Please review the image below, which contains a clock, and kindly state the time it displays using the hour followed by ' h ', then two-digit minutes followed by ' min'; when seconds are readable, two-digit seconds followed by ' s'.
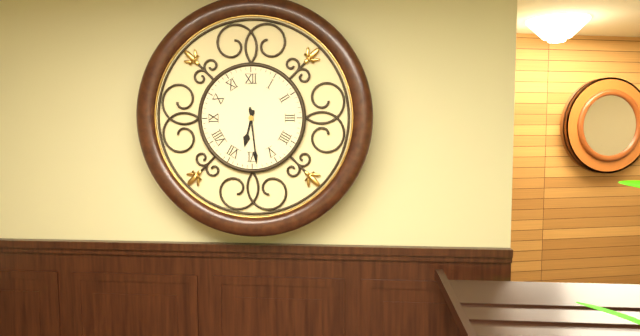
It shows 6 h 29 min
